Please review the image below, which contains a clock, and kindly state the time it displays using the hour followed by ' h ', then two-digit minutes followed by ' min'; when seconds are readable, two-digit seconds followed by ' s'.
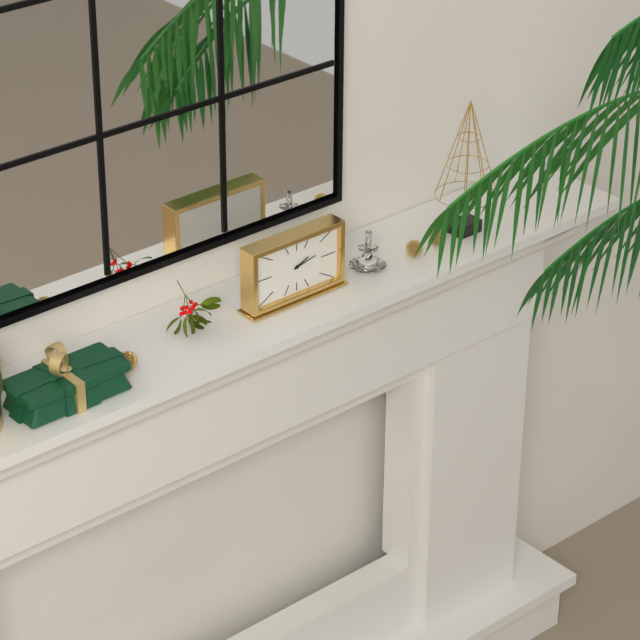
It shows 2 h 13 min
